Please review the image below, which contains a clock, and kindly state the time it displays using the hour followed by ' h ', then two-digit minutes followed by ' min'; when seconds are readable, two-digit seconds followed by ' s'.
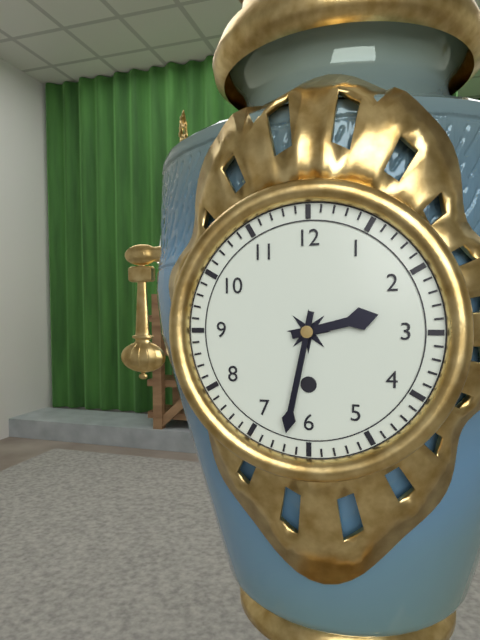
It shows 2 h 32 min
